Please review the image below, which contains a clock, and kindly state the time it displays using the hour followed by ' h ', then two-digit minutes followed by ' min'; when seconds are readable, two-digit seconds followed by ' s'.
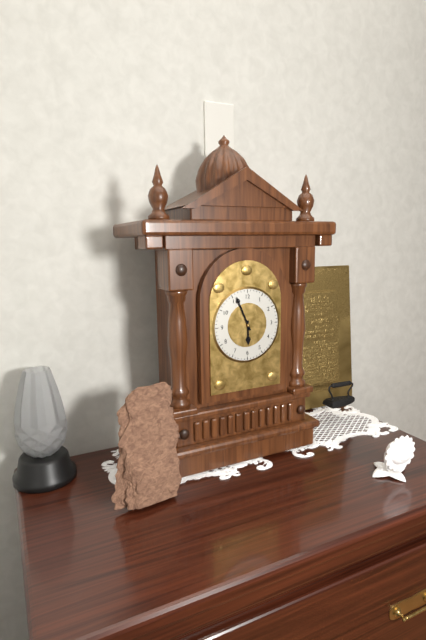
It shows 5 h 56 min
